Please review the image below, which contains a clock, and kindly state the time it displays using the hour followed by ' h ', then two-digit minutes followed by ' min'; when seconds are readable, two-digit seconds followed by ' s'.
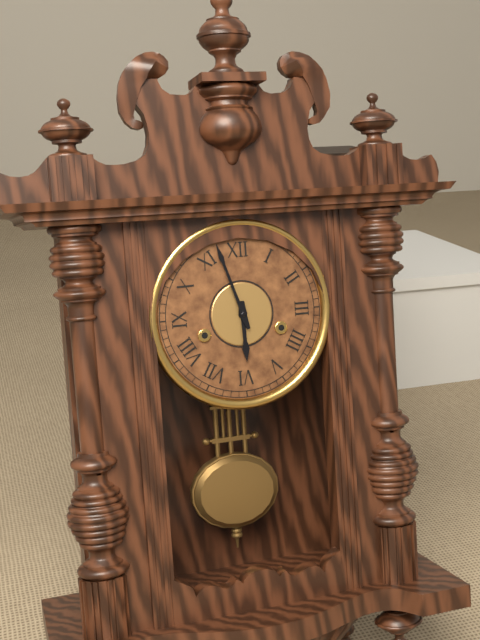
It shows 5 h 57 min
